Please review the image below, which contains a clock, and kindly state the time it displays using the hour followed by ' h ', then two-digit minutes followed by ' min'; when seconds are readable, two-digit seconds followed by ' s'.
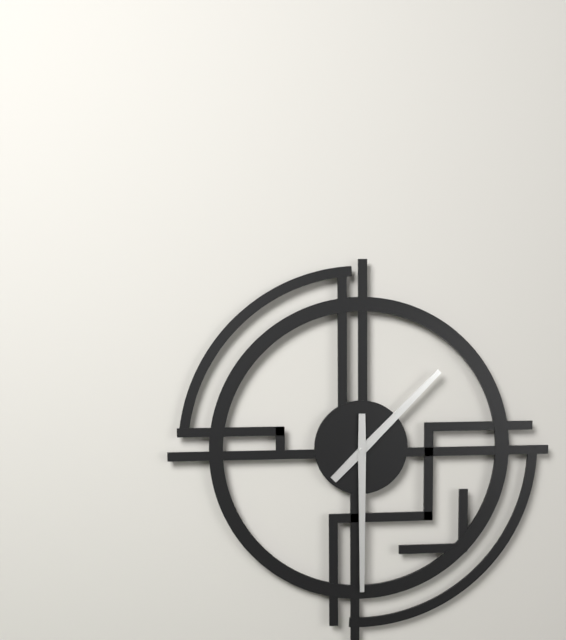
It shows 1 h 30 min
